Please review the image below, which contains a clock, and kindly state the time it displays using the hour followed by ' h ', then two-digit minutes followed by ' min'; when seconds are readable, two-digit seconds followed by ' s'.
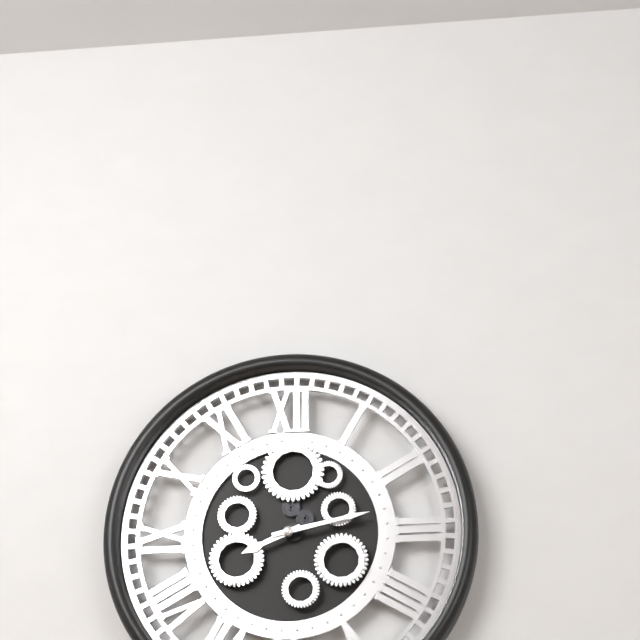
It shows 8 h 13 min
